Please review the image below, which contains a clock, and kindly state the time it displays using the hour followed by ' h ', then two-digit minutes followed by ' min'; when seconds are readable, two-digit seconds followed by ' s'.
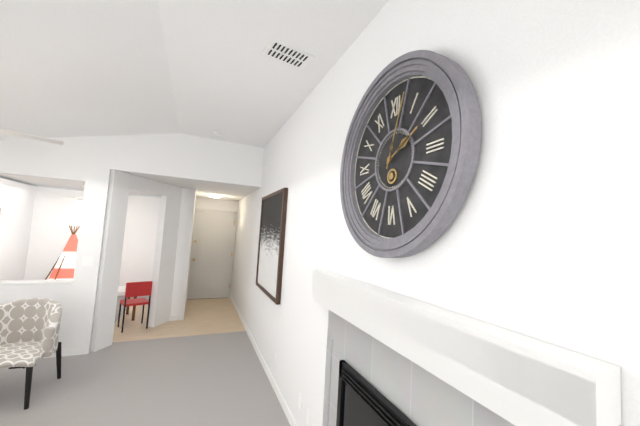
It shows 2 h 03 min
